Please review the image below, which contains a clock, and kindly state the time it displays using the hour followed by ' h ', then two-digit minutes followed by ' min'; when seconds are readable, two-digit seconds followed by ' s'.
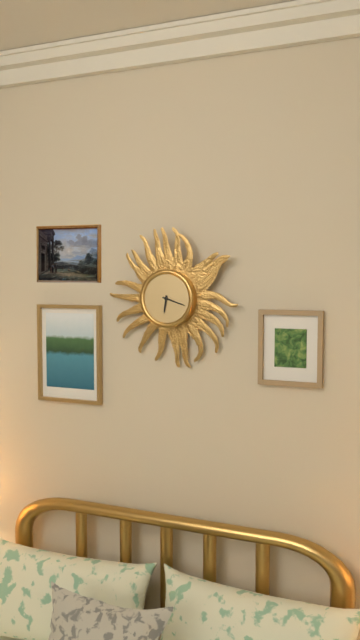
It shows 6 h 18 min
